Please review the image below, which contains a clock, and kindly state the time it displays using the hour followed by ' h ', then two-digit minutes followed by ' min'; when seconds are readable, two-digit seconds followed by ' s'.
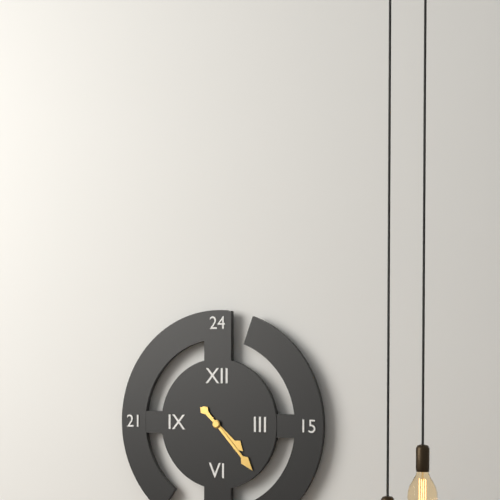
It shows 4 h 23 min
